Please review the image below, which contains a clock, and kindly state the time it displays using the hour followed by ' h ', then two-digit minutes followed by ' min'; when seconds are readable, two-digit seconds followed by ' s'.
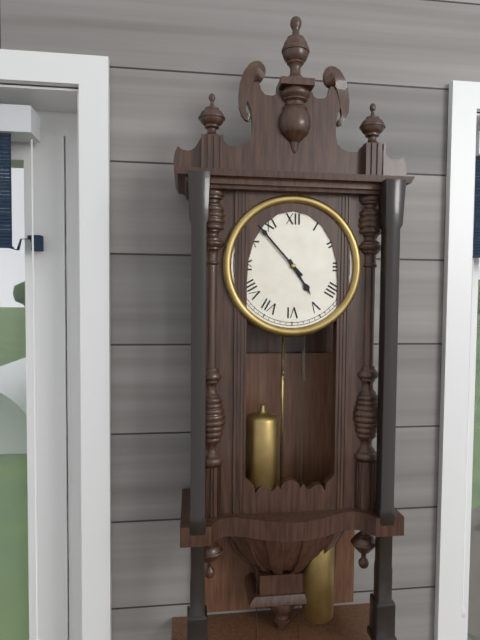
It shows 4 h 53 min
